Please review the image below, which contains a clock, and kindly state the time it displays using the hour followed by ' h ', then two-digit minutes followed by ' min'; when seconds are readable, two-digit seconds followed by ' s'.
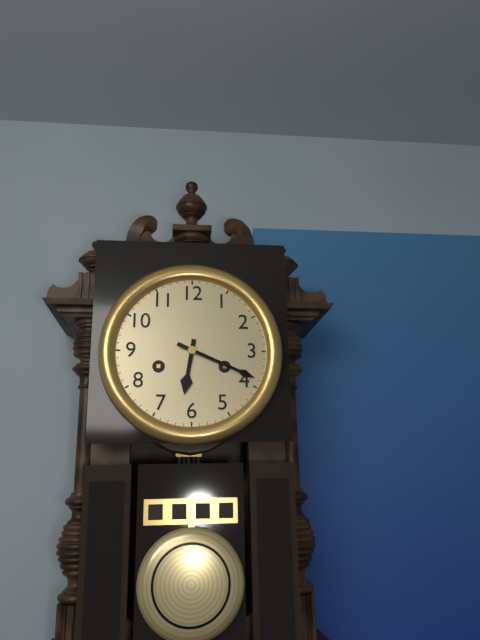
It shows 6 h 19 min
